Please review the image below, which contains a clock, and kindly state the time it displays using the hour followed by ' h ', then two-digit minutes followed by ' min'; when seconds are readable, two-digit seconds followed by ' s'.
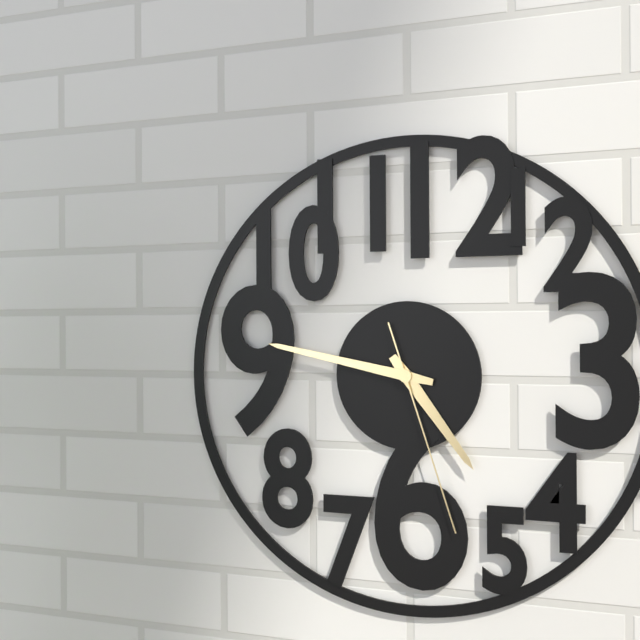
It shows 4 h 47 min 27 s
